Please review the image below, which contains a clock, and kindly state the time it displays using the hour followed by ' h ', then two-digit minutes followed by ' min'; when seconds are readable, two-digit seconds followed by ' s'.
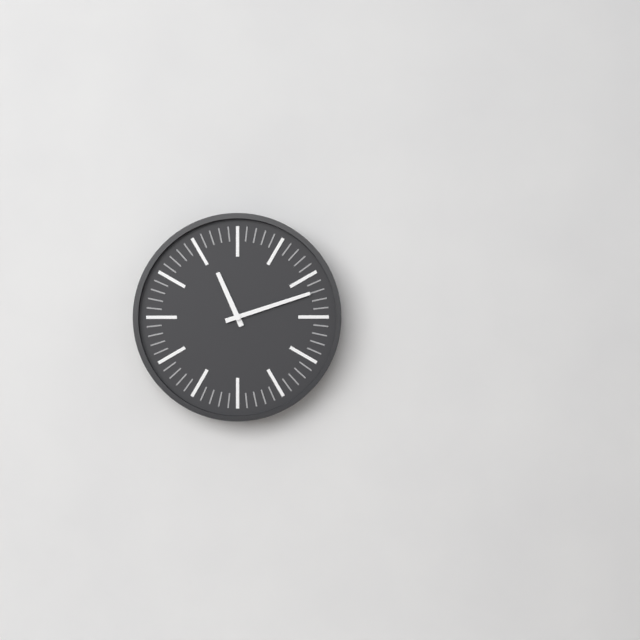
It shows 11 h 12 min
